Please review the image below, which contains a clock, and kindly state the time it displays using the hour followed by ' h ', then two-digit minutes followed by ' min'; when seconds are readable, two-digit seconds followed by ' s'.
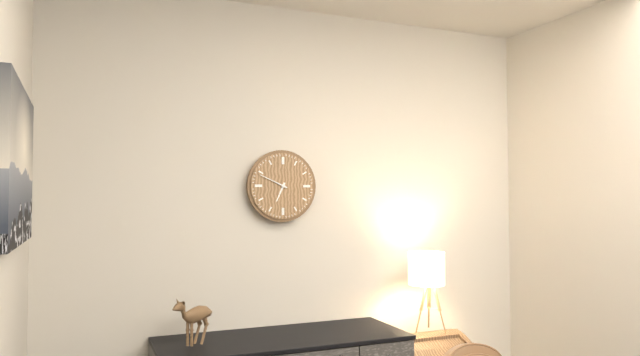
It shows 6 h 49 min
